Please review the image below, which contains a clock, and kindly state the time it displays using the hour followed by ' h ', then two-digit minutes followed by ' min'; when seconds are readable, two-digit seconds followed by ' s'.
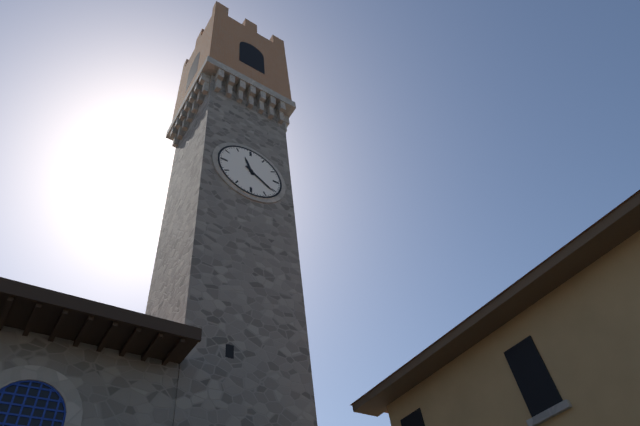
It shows 11 h 21 min
